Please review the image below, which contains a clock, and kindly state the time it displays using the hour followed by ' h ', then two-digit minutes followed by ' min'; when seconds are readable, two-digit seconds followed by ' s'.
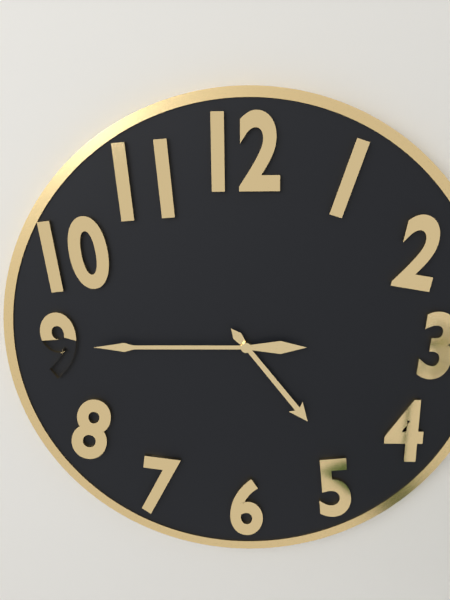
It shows 4 h 45 min
